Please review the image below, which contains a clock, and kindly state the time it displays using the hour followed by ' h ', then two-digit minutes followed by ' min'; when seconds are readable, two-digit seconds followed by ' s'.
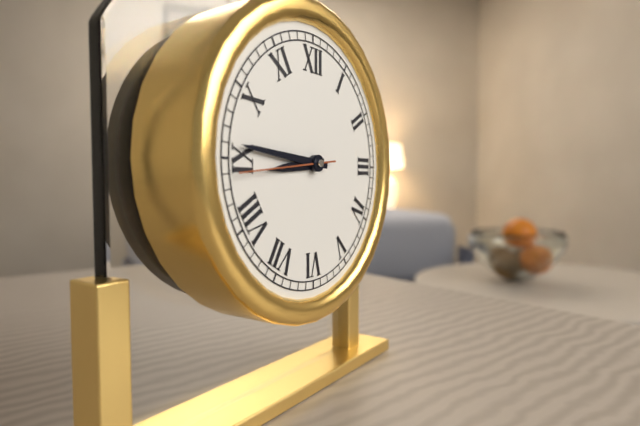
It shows 8 h 46 min 44 s
